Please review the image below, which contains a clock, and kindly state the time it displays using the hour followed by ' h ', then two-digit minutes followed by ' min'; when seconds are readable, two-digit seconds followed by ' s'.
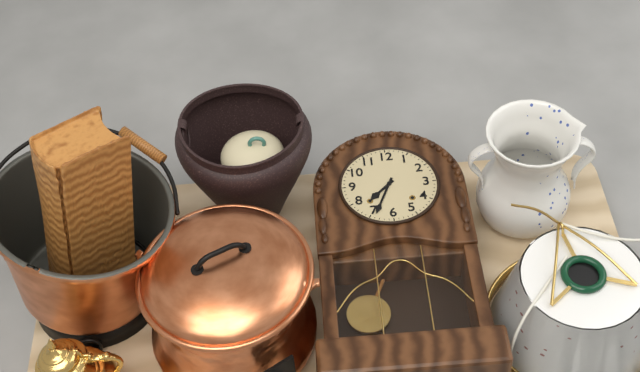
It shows 7 h 34 min
